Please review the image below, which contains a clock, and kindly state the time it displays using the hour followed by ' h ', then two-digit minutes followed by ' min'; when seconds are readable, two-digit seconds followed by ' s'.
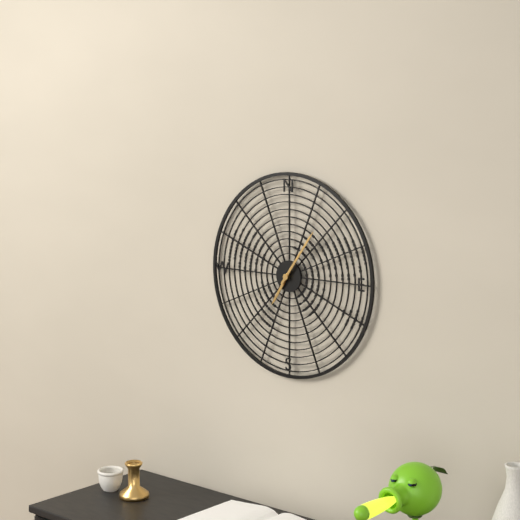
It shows 7 h 06 min
